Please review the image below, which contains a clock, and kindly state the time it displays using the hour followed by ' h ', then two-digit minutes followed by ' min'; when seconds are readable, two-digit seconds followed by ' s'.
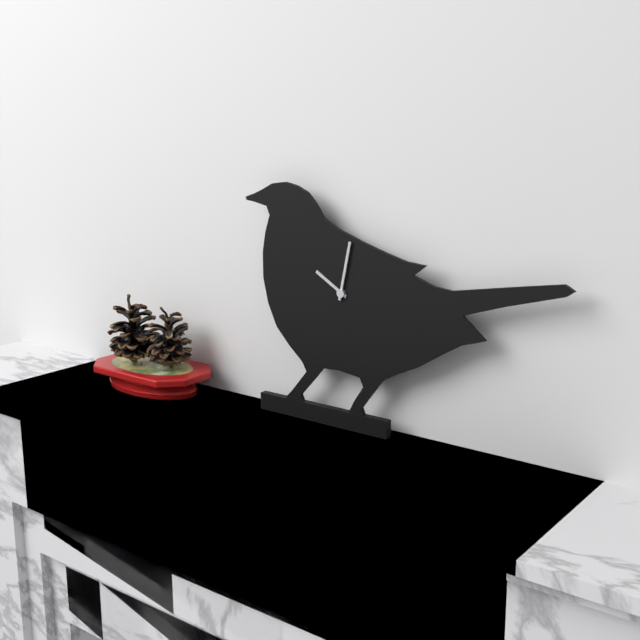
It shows 10 h 02 min
